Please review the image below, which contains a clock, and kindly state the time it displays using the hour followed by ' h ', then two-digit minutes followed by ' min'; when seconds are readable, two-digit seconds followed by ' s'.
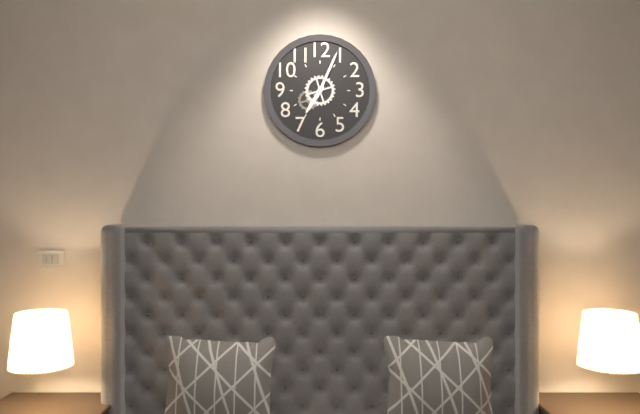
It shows 7 h 04 min
